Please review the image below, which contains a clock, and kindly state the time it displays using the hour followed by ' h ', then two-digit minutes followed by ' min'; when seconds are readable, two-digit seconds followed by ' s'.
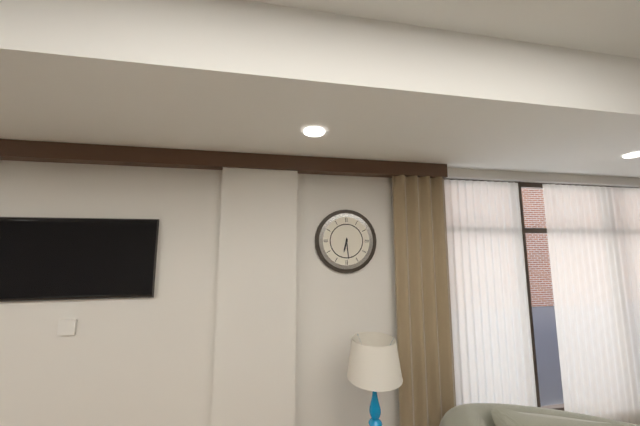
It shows 6 h 29 min
